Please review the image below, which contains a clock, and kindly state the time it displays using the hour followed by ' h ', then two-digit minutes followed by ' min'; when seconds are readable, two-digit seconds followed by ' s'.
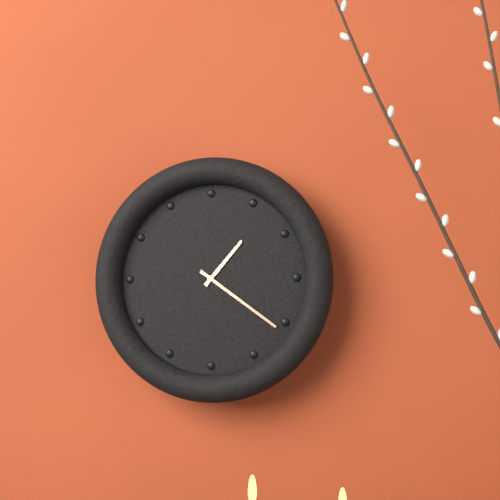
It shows 1 h 21 min
